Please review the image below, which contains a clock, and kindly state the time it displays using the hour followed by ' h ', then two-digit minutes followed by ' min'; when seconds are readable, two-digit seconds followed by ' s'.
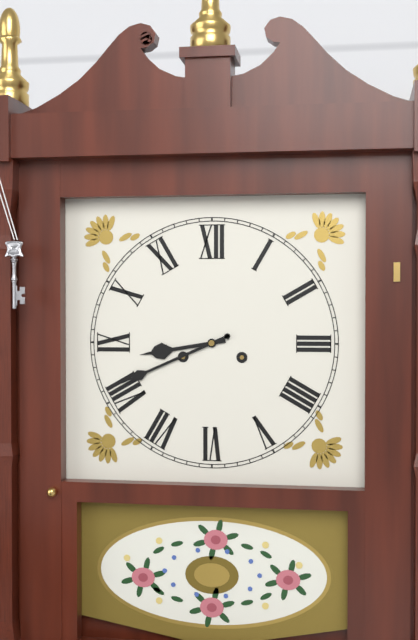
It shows 8 h 41 min
